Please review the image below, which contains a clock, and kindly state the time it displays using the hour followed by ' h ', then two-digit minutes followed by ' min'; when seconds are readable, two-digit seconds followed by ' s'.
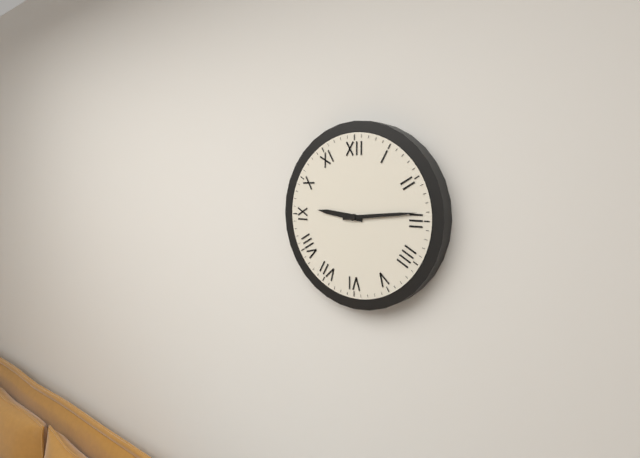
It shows 9 h 14 min
